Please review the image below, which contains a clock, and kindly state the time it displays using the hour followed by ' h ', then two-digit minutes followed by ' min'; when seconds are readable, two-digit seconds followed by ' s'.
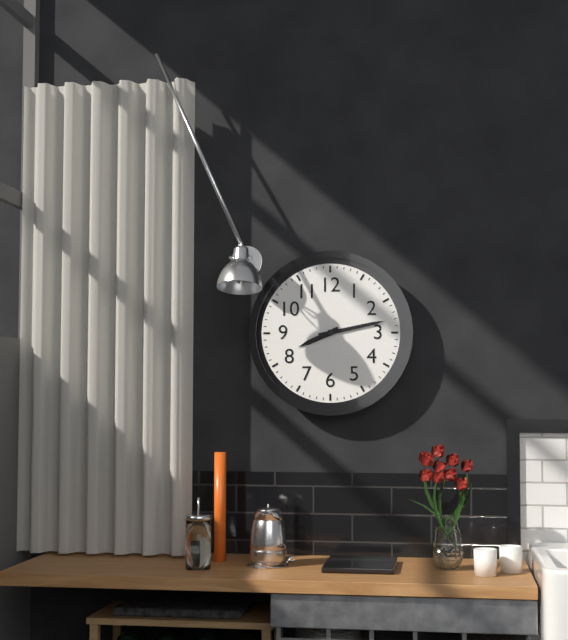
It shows 8 h 13 min
